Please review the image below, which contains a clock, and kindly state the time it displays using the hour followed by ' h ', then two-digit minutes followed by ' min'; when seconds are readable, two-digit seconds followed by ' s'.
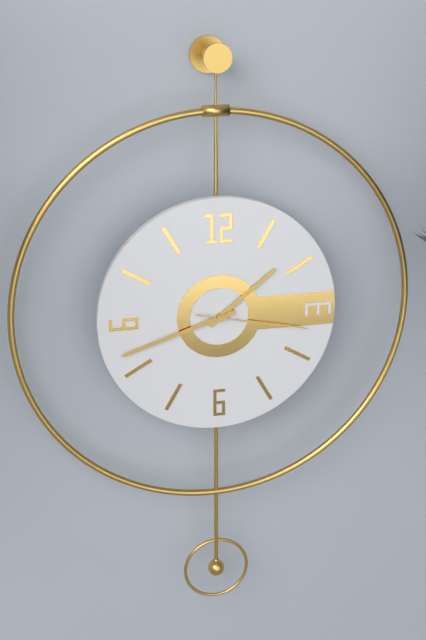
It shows 1 h 42 min 17 s
